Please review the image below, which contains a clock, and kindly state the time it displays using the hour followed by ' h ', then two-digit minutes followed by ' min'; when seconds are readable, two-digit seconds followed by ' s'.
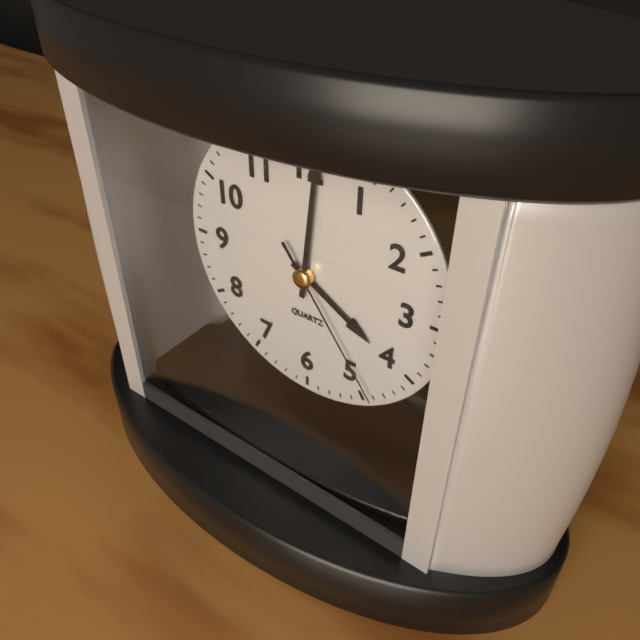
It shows 4 h 01 min 24 s
